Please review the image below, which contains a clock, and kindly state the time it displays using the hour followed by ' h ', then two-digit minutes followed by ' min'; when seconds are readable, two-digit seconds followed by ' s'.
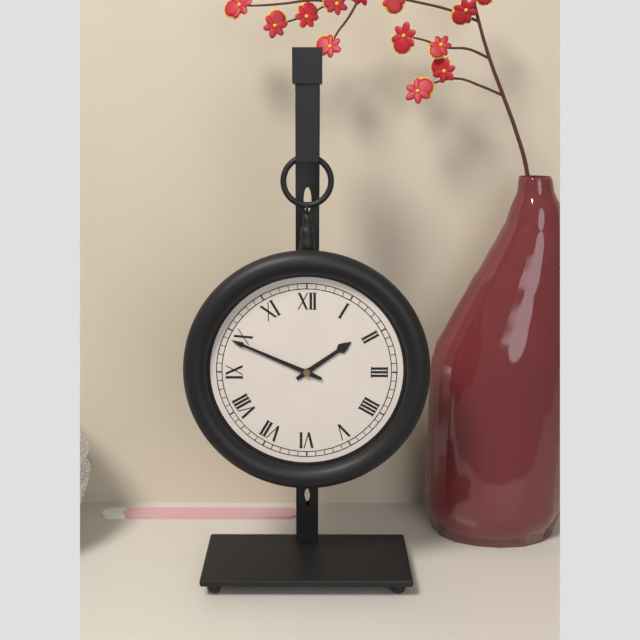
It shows 1 h 49 min
